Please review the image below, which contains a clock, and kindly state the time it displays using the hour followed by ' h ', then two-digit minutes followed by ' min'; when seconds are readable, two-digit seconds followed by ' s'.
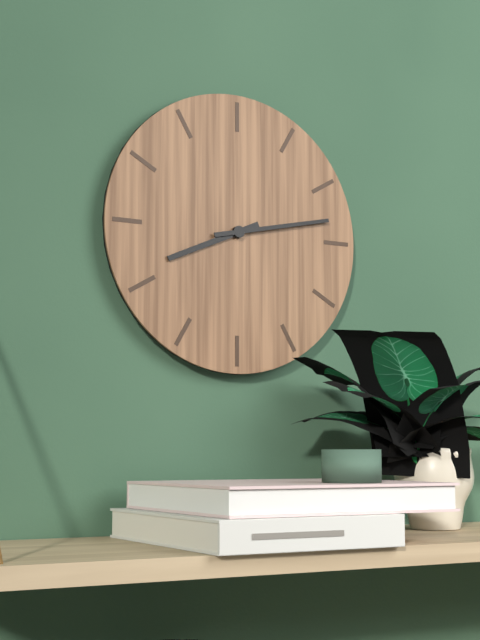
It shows 8 h 13 min
